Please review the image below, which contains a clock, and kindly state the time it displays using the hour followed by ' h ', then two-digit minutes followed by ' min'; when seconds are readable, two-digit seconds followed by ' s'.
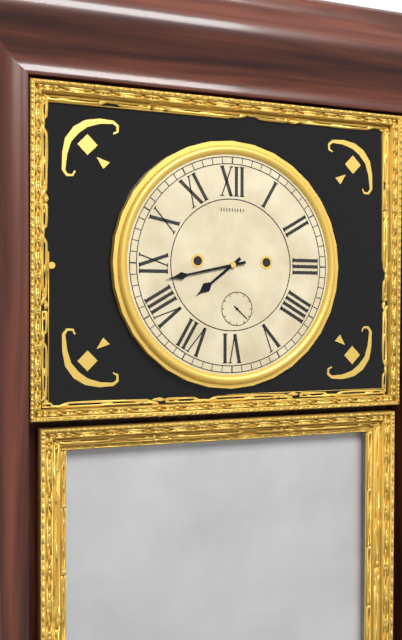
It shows 7 h 43 min
